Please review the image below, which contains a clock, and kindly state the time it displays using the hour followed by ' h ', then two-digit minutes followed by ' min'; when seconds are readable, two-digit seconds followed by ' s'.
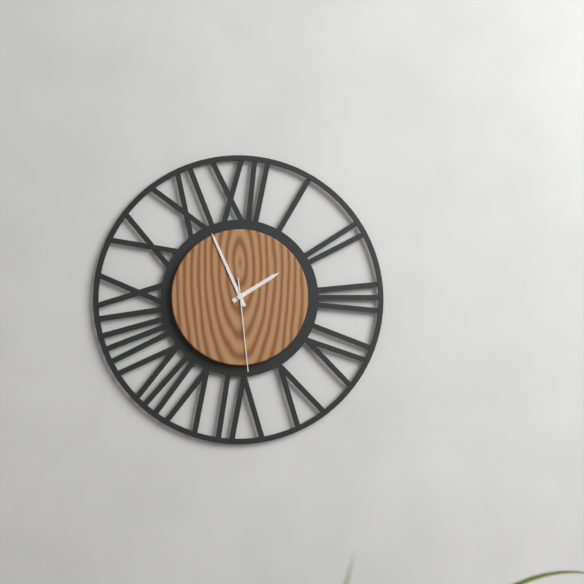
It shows 1 h 56 min 29 s
